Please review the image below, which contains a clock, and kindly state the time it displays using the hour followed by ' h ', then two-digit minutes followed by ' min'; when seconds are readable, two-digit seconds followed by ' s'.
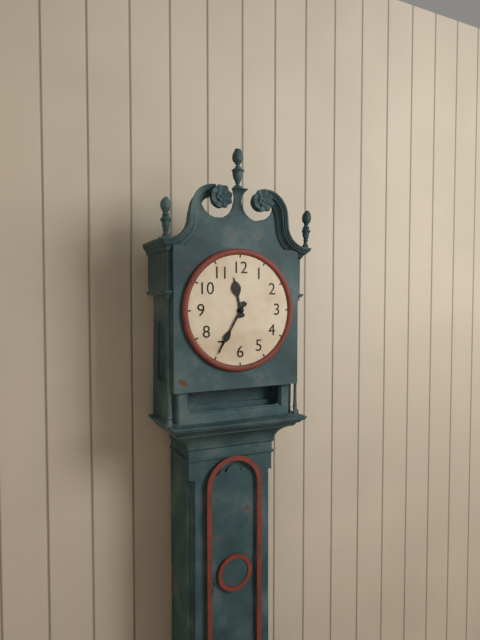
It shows 11 h 35 min
